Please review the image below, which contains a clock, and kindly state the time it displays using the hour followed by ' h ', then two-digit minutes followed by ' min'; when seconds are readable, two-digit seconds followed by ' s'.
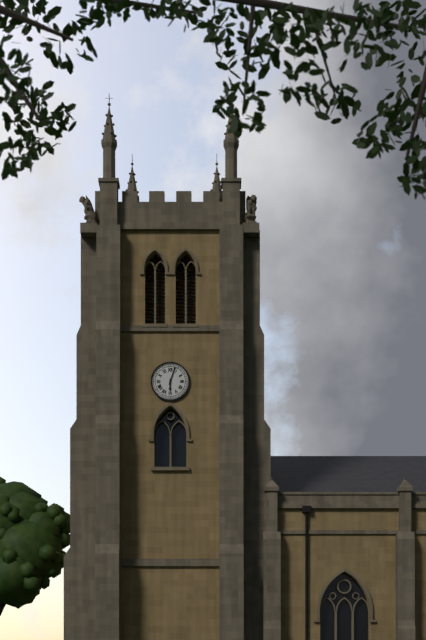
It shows 6 h 03 min
